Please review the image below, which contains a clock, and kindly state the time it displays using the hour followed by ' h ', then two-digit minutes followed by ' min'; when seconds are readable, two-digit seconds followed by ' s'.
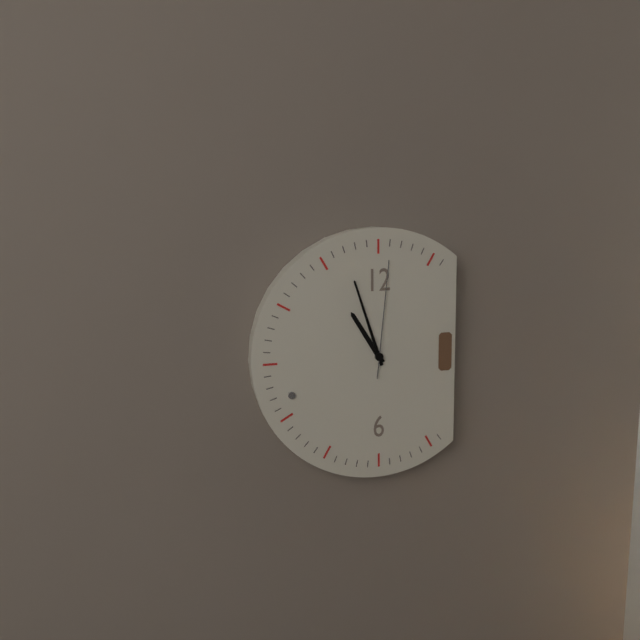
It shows 10 h 57 min 01 s
